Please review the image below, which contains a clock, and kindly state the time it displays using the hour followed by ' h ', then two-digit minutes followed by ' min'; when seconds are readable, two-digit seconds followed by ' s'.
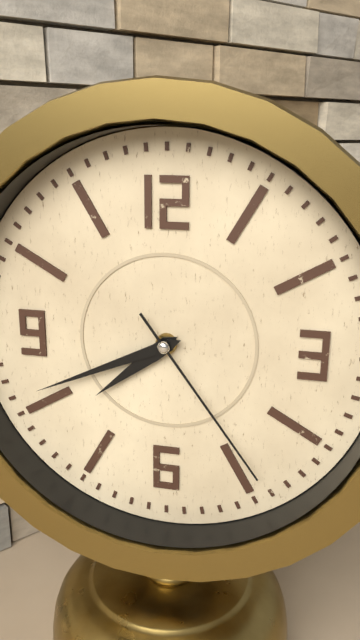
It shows 7 h 41 min 24 s
